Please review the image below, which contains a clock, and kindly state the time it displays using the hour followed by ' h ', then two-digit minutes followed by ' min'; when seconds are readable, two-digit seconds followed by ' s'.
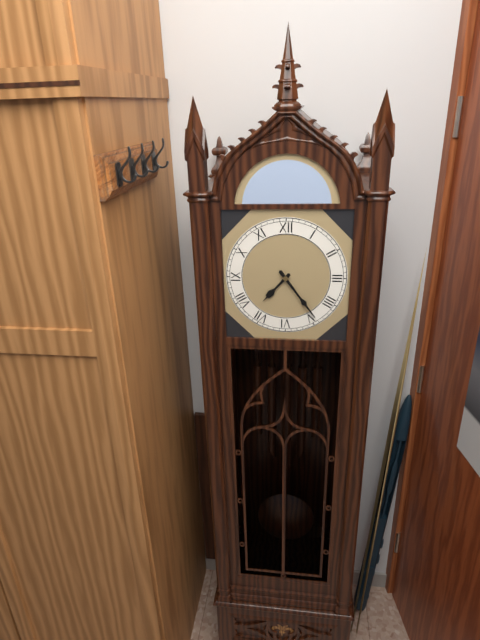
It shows 7 h 24 min
